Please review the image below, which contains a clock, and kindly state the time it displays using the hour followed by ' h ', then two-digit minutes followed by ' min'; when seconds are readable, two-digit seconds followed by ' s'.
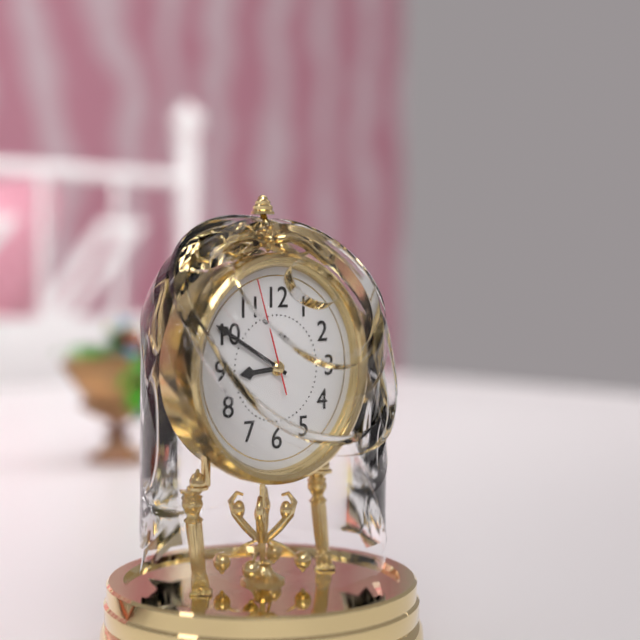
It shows 8 h 50 min 57 s
